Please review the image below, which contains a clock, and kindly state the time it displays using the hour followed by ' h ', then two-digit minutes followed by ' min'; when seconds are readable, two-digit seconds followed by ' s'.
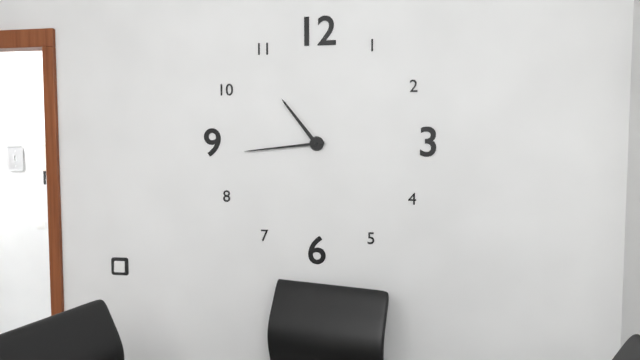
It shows 10 h 44 min
